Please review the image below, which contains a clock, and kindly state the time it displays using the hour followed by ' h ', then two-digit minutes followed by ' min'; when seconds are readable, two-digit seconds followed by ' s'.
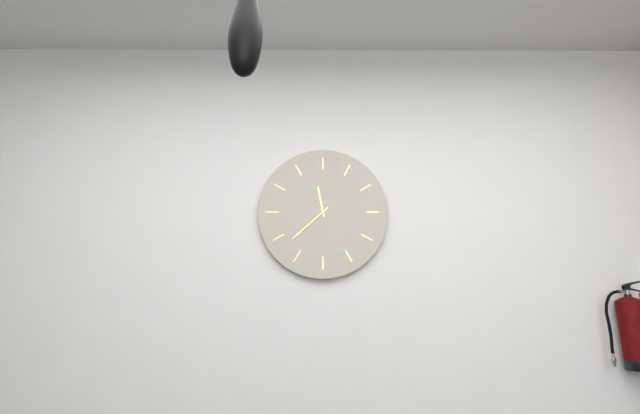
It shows 11 h 38 min
